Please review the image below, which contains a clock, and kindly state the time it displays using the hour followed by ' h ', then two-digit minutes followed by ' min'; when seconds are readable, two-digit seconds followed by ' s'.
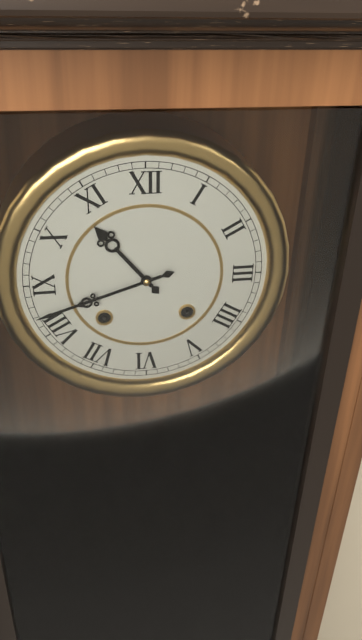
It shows 10 h 42 min
